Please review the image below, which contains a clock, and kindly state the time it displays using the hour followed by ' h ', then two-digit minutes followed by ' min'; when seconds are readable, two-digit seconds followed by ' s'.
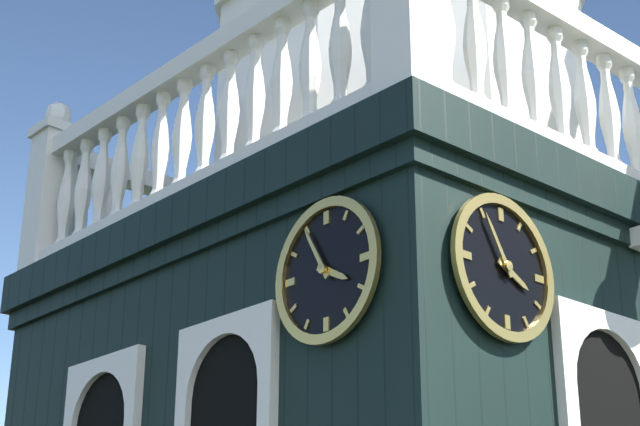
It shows 3 h 55 min
